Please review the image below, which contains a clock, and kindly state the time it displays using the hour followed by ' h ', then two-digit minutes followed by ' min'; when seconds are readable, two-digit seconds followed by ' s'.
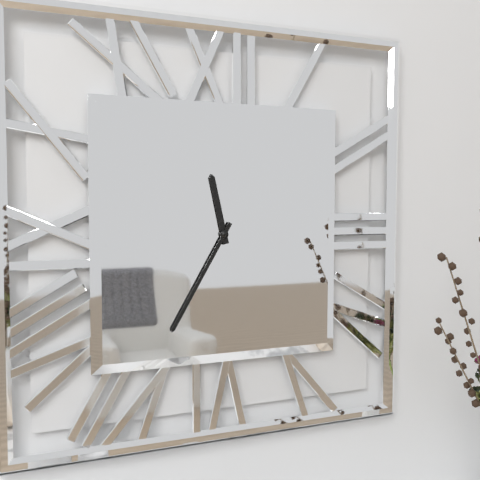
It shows 11 h 35 min
